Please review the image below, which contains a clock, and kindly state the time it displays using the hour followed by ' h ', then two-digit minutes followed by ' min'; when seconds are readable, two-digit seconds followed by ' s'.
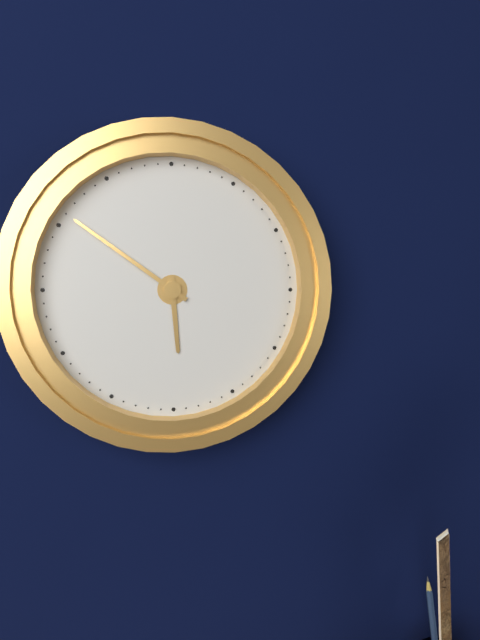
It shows 5 h 51 min
